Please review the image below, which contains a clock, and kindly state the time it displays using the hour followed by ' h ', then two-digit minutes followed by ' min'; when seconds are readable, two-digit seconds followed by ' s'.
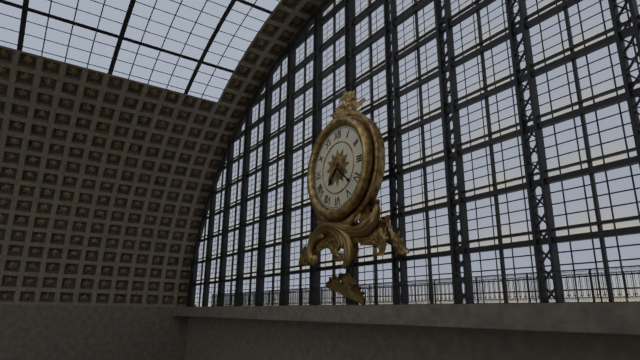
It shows 7 h 22 min
